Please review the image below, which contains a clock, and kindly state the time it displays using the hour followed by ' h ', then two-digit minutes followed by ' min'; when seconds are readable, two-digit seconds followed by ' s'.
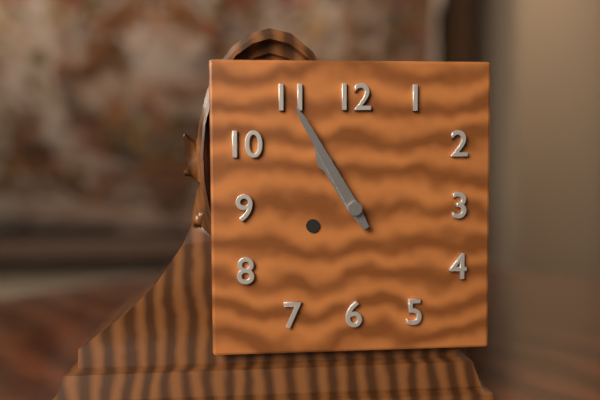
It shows 10 h 55 min
